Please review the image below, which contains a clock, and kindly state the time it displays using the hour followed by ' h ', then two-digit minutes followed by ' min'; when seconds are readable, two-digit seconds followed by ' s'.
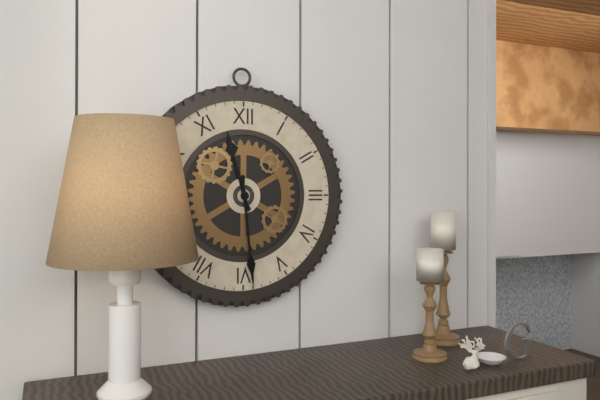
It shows 11 h 29 min
